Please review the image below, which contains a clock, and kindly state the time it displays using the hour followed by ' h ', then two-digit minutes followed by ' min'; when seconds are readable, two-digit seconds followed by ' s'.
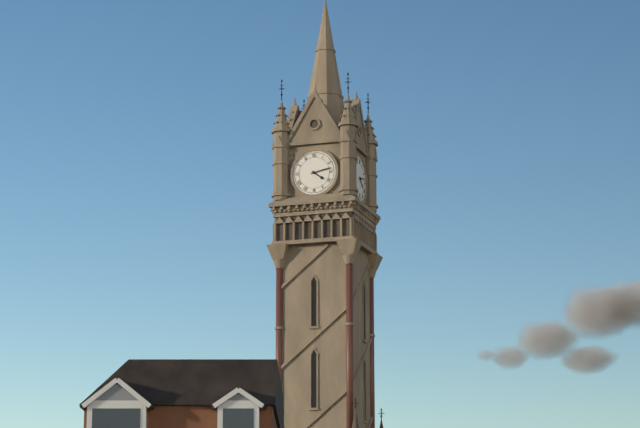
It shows 4 h 13 min
